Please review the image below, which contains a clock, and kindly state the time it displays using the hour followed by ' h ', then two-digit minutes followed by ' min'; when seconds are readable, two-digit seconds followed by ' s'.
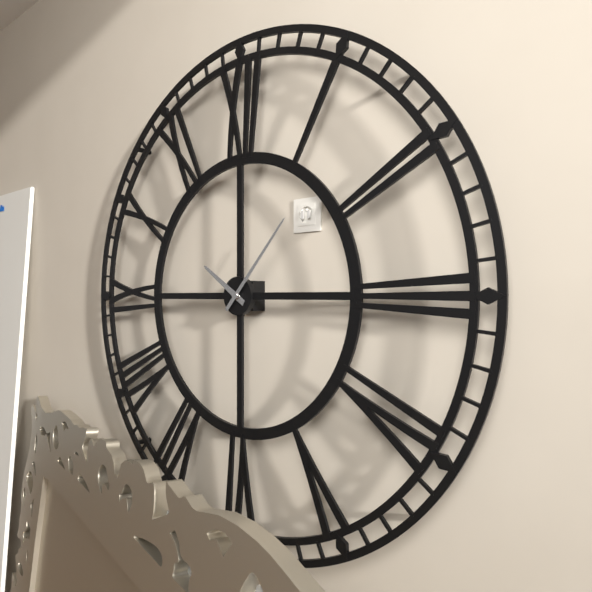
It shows 10 h 07 min
